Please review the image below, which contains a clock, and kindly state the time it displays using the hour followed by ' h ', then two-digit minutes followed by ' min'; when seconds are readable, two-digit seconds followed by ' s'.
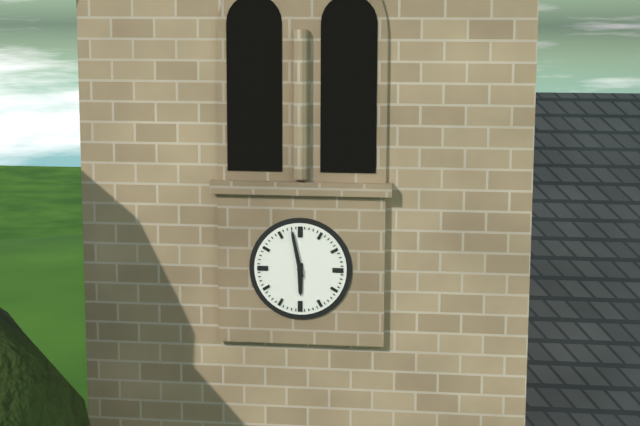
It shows 5 h 58 min
